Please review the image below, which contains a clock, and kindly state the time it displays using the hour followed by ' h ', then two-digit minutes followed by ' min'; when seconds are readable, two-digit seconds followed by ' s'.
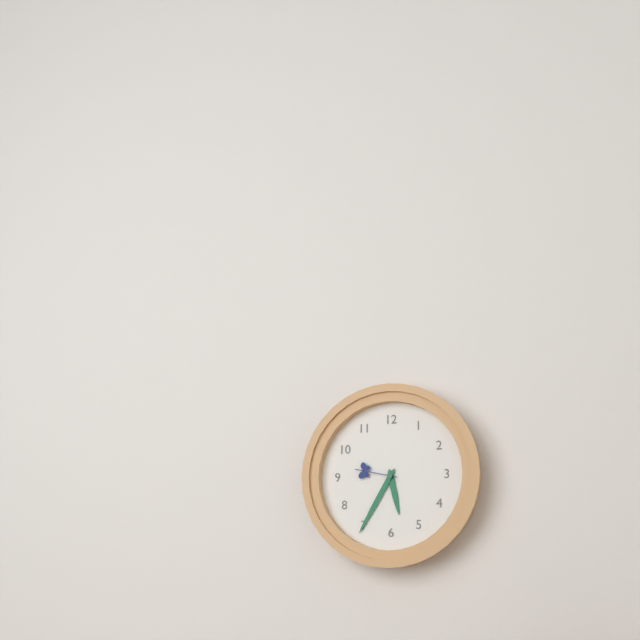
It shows 5 h 35 min
